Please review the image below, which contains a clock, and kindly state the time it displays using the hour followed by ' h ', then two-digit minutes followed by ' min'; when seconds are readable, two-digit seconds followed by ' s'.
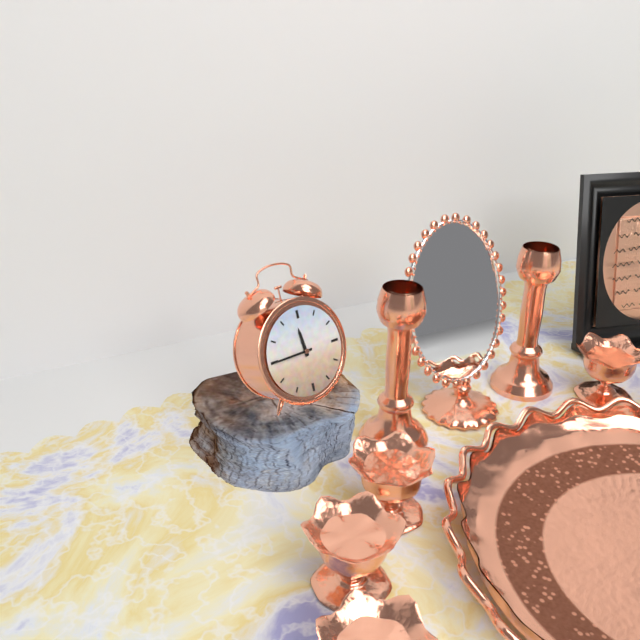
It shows 11 h 45 min
